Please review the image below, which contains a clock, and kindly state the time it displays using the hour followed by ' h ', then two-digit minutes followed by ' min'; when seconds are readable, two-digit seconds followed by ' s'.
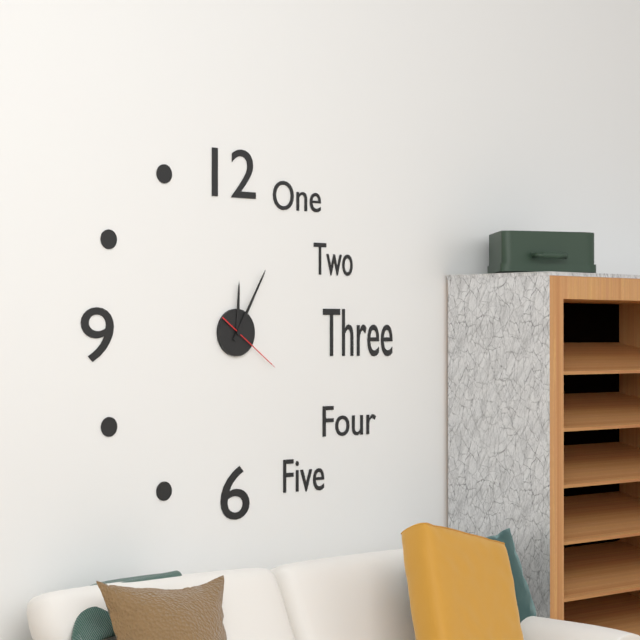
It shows 12 h 05 min 21 s
